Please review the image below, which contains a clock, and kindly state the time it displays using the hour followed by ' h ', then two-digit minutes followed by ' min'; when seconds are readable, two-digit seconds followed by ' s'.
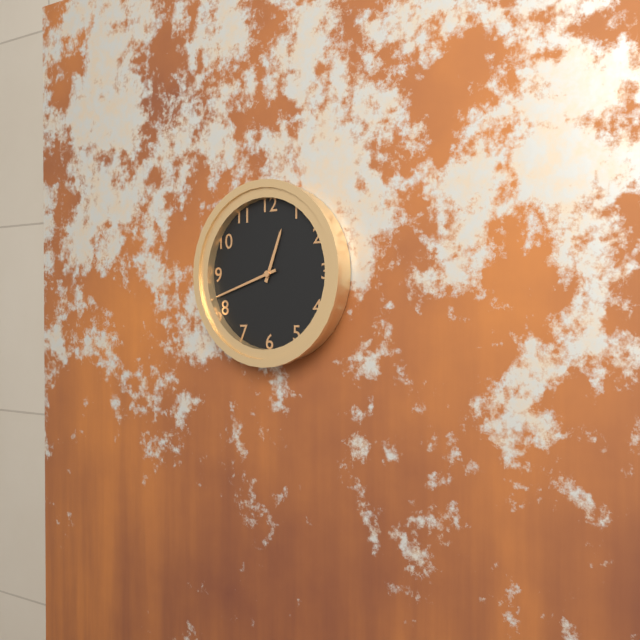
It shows 12 h 42 min
